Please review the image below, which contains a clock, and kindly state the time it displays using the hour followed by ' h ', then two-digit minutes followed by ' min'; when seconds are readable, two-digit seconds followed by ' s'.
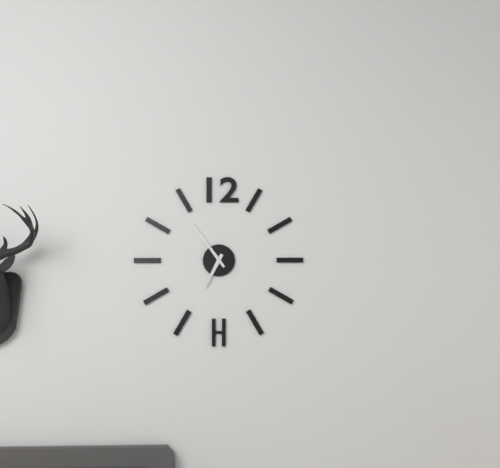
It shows 6 h 54 min
